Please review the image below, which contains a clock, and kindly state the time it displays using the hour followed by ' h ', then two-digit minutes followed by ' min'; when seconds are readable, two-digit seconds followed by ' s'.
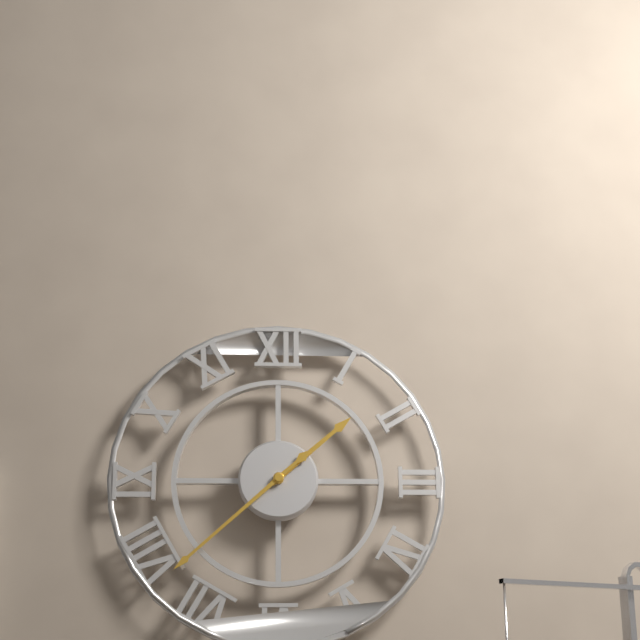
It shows 1 h 38 min
